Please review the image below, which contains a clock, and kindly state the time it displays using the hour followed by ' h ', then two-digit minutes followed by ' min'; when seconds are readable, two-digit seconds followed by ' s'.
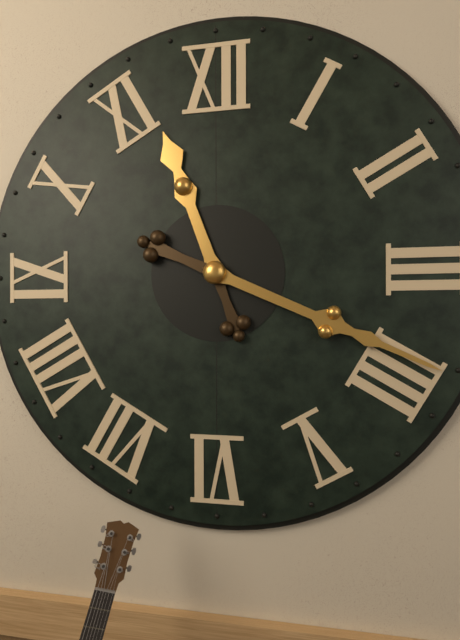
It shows 11 h 19 min
